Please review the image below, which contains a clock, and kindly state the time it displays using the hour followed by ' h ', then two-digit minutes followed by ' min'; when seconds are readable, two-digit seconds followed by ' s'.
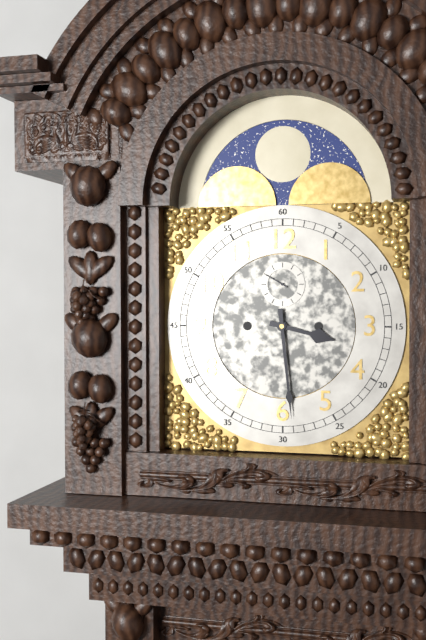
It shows 3 h 29 min
